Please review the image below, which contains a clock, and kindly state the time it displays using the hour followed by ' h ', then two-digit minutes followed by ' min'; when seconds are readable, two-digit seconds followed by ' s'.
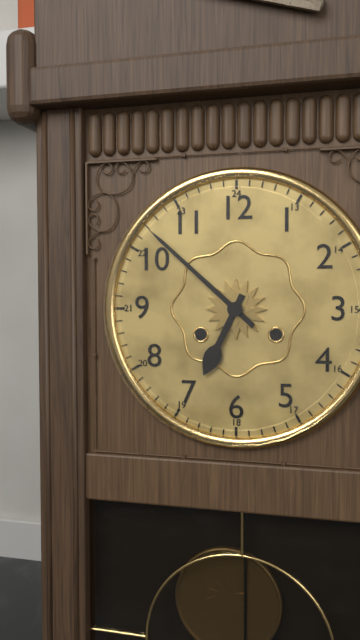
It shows 6 h 52 min
